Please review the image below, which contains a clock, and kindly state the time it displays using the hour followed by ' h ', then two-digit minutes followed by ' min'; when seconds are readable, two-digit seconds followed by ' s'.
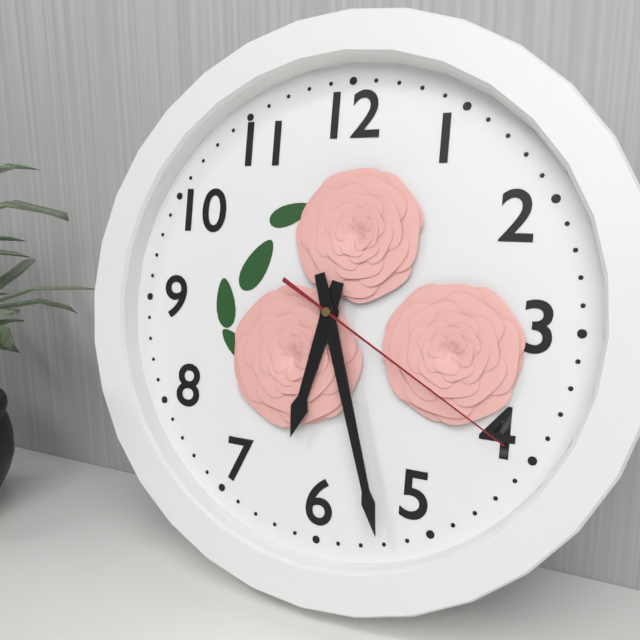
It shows 6 h 27 min 20 s
